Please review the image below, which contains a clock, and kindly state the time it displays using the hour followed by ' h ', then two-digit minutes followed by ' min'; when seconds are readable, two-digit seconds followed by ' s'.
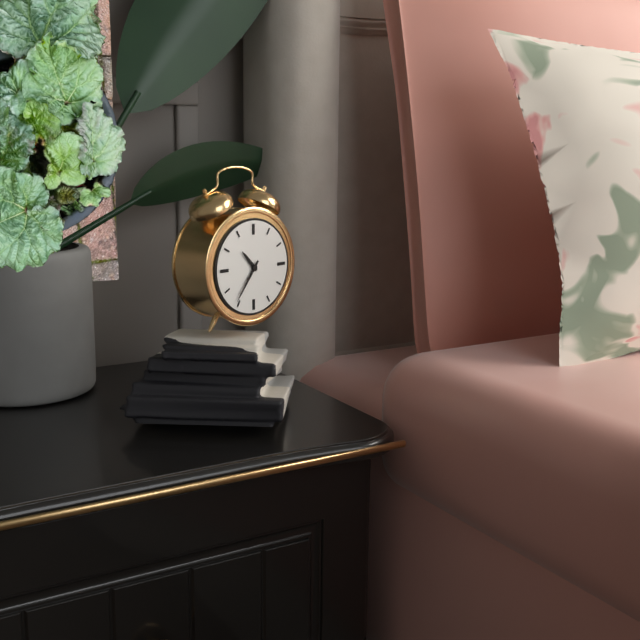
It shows 10 h 36 min
